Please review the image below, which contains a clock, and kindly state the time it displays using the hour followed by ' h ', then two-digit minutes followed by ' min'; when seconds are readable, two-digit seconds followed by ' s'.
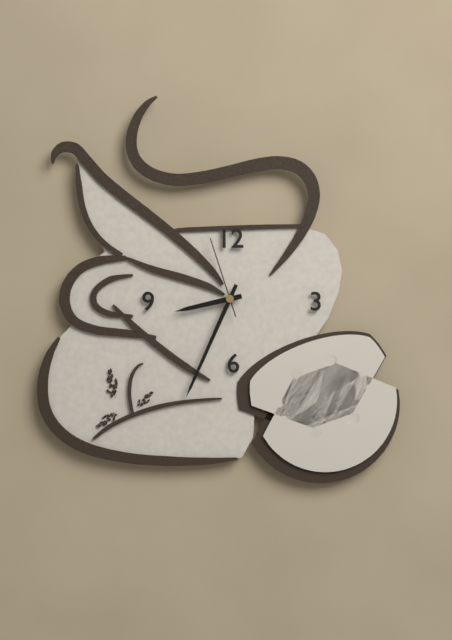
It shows 8 h 34 min 57 s
